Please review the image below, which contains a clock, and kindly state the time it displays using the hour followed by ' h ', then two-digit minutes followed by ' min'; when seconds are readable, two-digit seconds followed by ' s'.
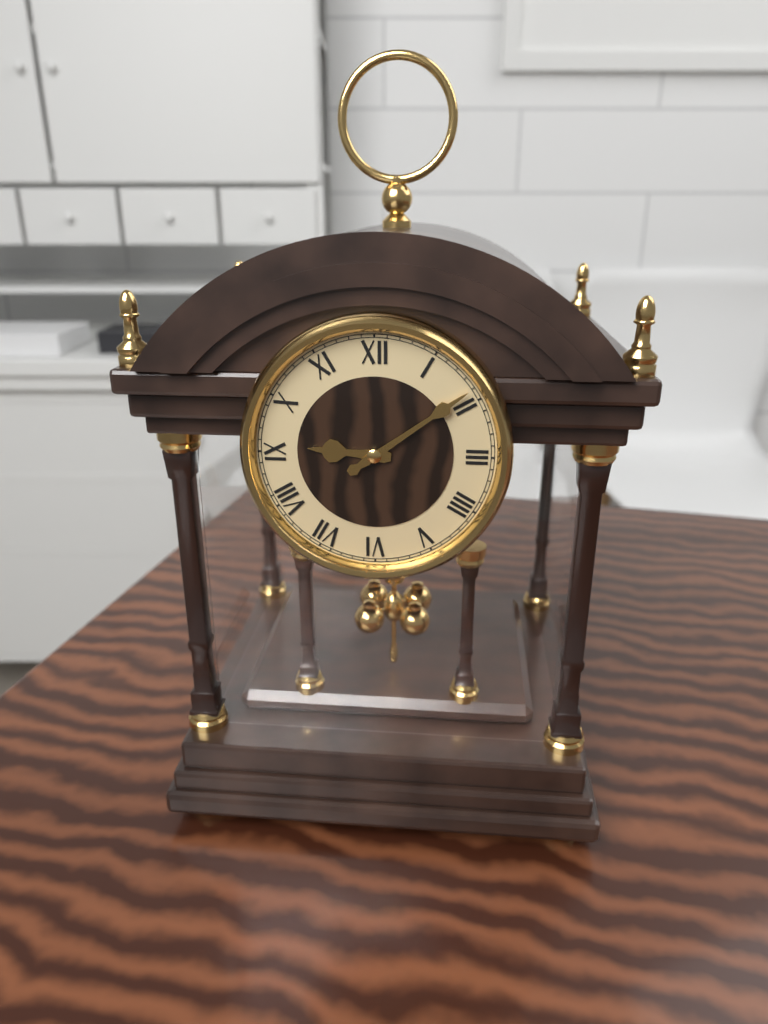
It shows 9 h 09 min
